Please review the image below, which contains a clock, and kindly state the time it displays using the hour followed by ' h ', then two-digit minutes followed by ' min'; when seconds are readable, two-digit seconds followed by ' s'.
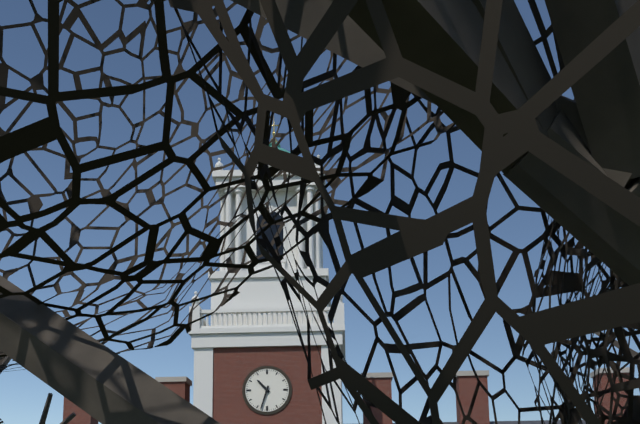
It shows 10 h 33 min
